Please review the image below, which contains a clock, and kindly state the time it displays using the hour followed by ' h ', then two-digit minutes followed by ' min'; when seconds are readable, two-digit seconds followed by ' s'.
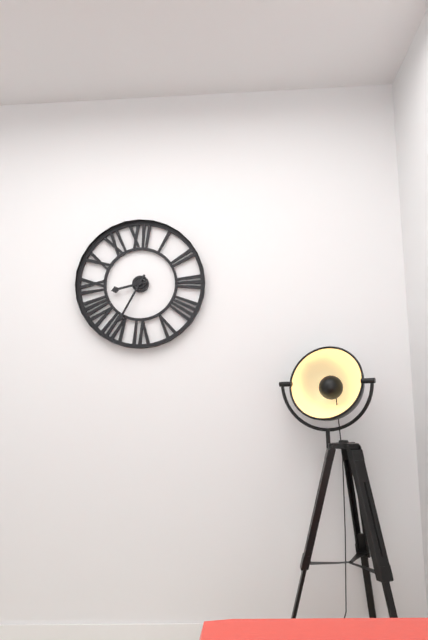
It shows 8 h 35 min
